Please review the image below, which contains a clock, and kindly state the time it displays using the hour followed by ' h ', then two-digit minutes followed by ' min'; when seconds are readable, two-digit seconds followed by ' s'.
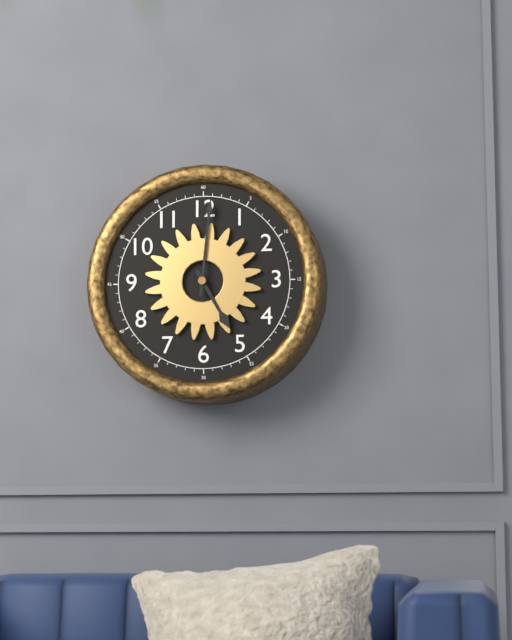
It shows 5 h 01 min
